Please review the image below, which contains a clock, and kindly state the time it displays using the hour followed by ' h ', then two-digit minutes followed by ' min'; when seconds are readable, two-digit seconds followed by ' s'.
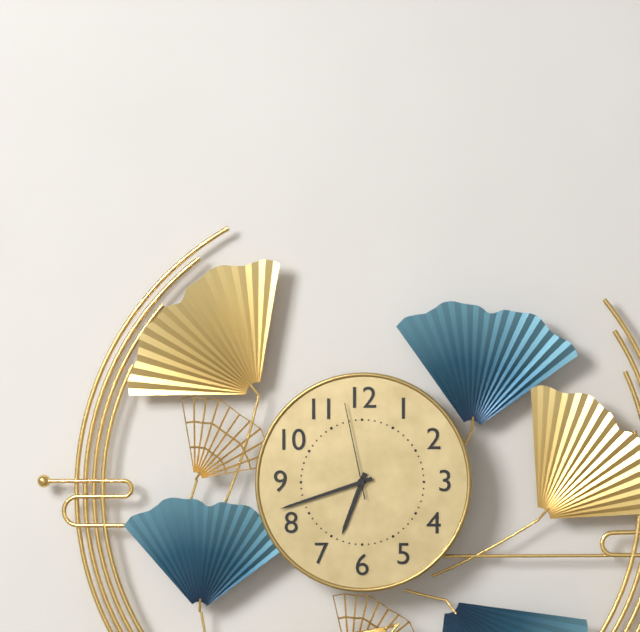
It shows 6 h 42 min 58 s
